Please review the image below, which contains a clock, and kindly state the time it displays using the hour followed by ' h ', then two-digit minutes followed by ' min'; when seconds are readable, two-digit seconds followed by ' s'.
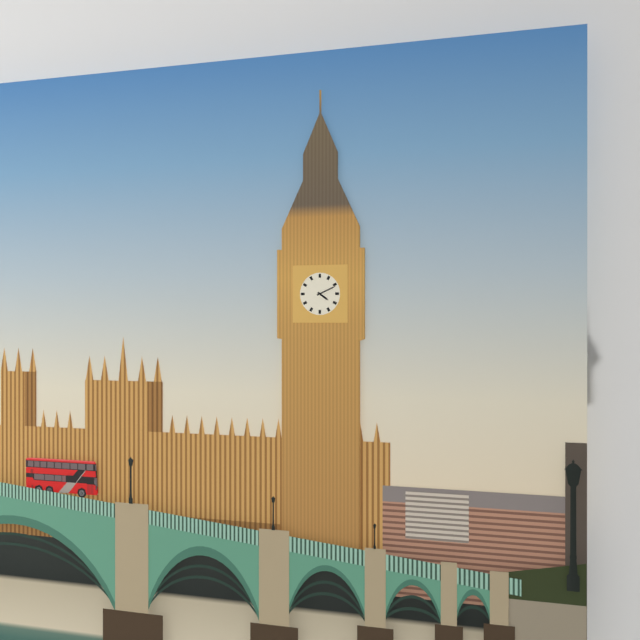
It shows 4 h 11 min
